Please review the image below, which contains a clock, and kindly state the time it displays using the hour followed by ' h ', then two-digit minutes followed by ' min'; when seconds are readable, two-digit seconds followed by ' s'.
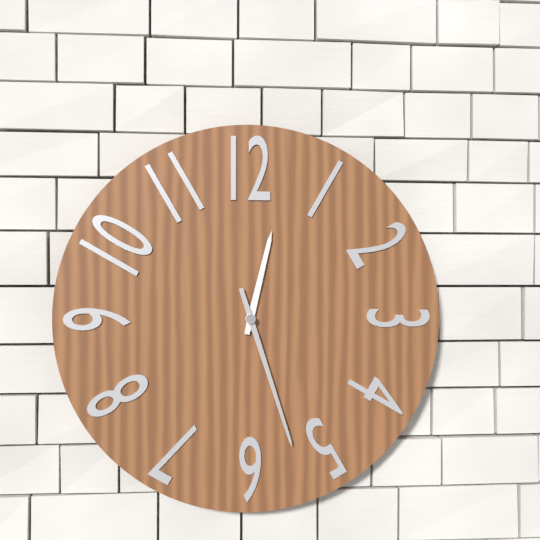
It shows 12 h 27 min
